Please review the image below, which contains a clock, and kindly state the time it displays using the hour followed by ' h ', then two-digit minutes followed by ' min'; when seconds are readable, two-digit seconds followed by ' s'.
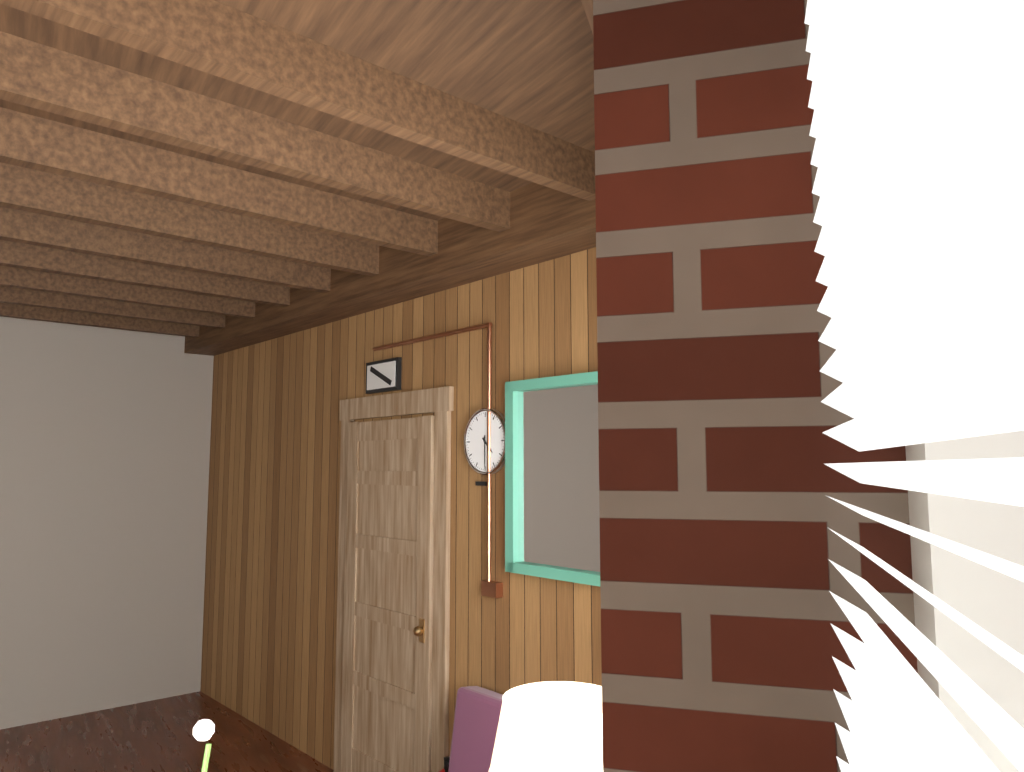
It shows 4 h 30 min
